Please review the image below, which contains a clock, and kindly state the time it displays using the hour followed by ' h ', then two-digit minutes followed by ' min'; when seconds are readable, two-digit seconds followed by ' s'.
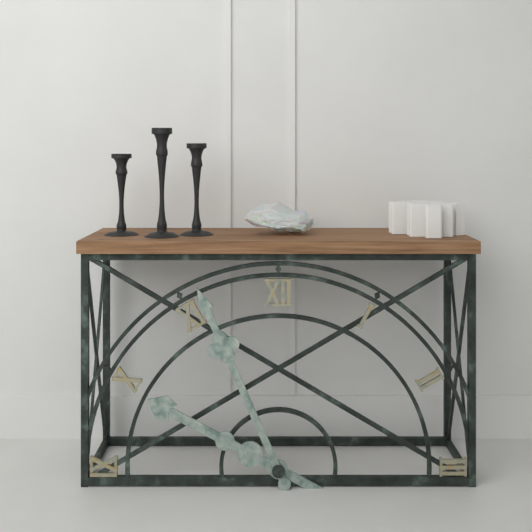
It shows 9 h 56 min
